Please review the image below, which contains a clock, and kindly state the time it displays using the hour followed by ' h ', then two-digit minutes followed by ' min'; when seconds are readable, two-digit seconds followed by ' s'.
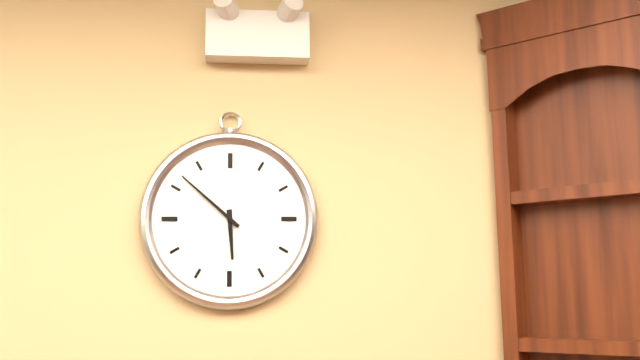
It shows 5 h 52 min
